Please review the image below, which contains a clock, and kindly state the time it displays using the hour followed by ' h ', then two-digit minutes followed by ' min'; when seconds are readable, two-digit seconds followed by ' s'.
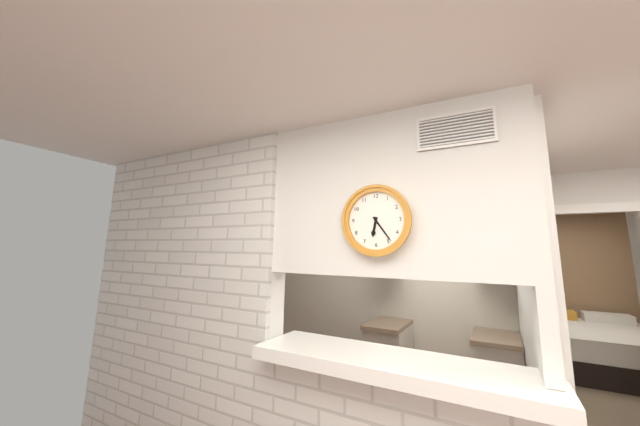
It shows 6 h 24 min
